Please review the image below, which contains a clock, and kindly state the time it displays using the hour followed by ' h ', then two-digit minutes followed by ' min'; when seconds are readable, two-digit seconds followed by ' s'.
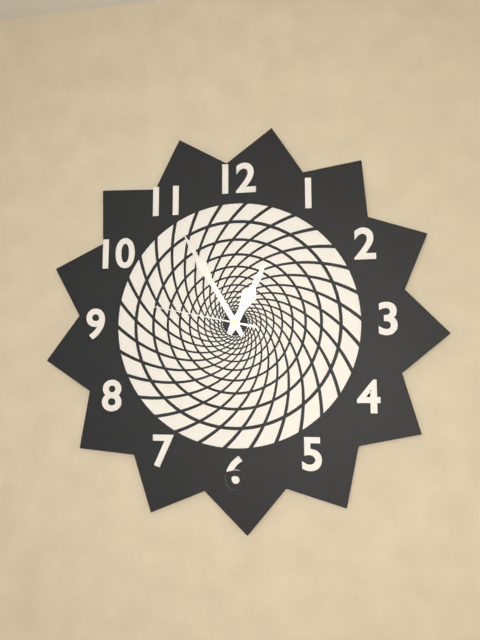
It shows 12 h 55 min 47 s
